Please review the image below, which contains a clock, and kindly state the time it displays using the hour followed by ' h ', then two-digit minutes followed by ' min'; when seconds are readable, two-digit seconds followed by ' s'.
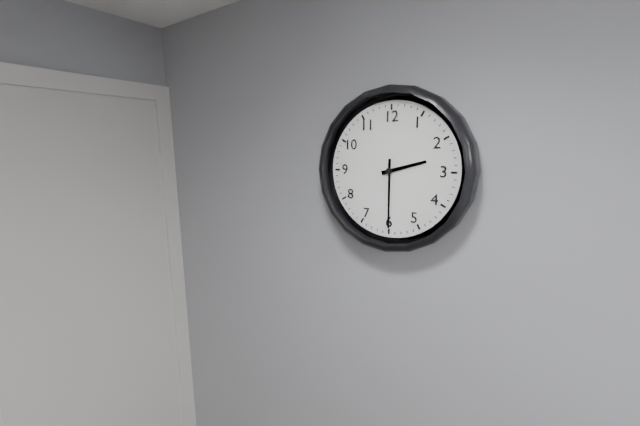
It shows 2 h 30 min
